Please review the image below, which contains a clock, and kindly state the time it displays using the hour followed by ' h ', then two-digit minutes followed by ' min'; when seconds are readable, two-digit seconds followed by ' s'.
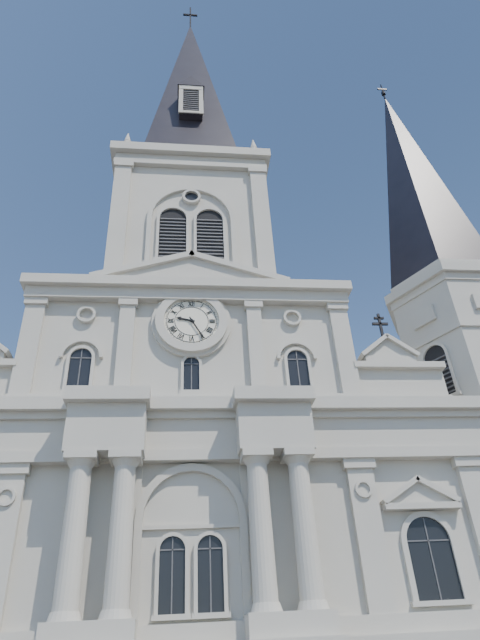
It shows 9 h 25 min
